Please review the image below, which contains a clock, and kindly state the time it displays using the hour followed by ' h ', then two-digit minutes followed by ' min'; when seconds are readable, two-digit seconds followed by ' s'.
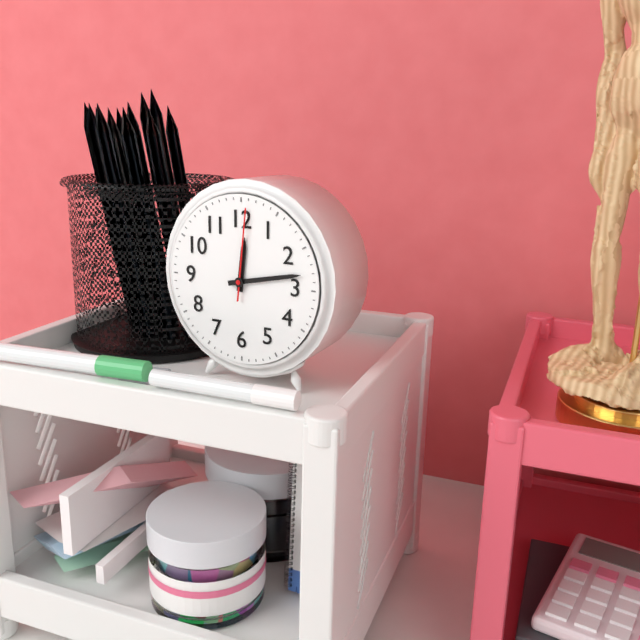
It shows 12 h 13 min 01 s
